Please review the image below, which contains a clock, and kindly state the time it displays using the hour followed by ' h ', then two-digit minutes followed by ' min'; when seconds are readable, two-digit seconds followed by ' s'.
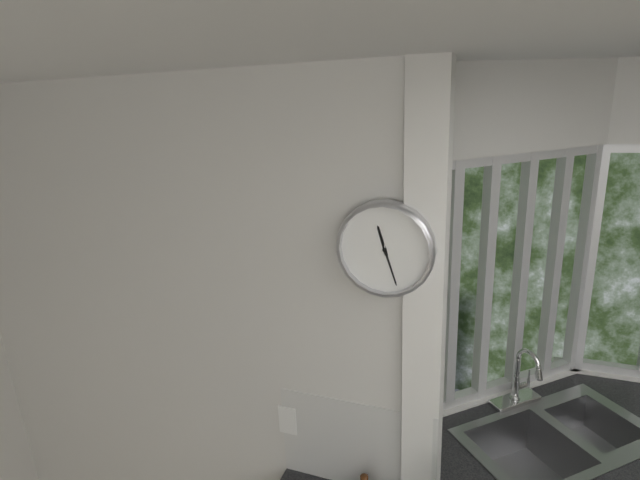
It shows 11 h 27 min
